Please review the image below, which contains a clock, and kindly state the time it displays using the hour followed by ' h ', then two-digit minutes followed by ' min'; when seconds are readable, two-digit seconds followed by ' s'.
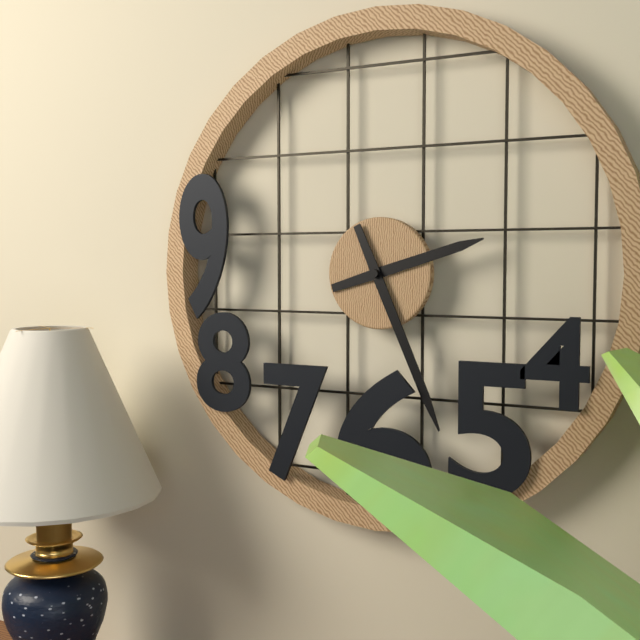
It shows 2 h 26 min
